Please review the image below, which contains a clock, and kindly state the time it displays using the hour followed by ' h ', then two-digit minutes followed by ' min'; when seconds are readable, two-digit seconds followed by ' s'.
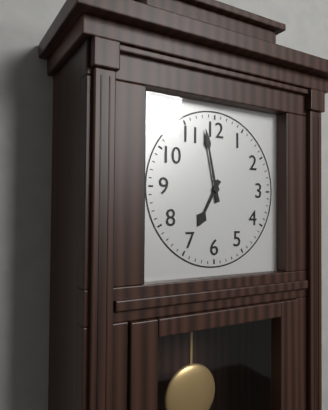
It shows 6 h 58 min
